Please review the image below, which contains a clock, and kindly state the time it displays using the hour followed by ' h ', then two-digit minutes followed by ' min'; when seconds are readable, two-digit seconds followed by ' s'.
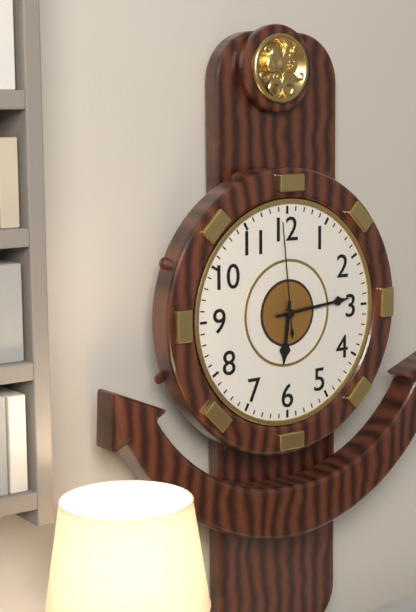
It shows 6 h 14 min 59 s
